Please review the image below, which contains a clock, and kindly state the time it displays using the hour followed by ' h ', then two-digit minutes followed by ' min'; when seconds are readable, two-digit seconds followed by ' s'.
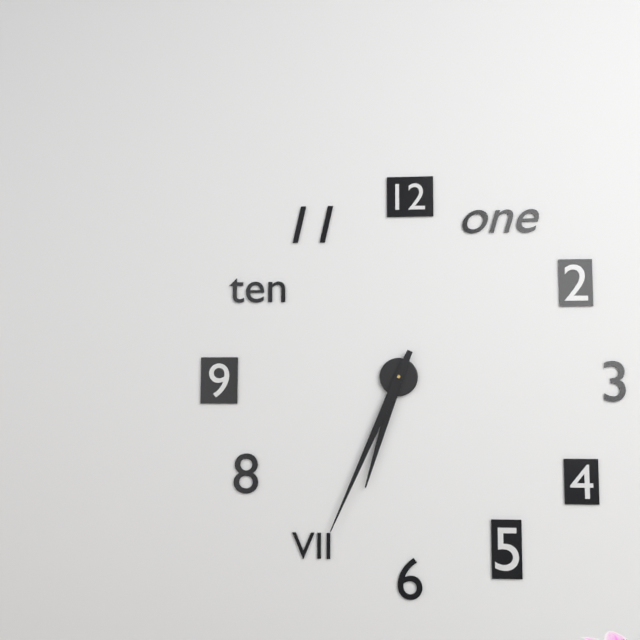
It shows 6 h 34 min
